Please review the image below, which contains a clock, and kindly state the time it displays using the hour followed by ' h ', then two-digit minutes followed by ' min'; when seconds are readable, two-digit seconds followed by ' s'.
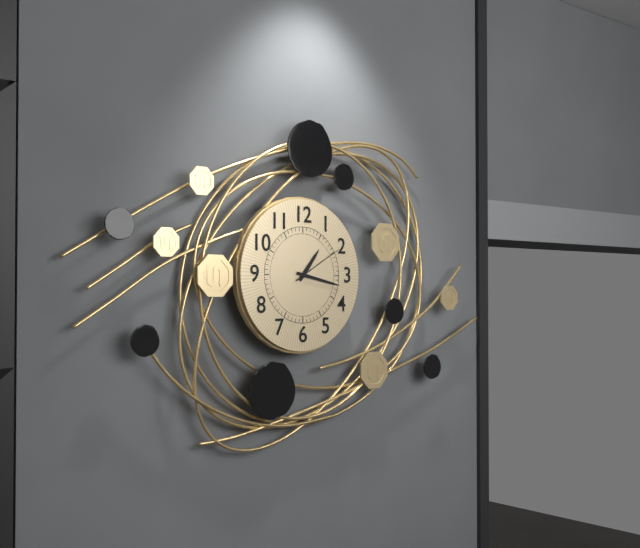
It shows 1 h 17 min 10 s
